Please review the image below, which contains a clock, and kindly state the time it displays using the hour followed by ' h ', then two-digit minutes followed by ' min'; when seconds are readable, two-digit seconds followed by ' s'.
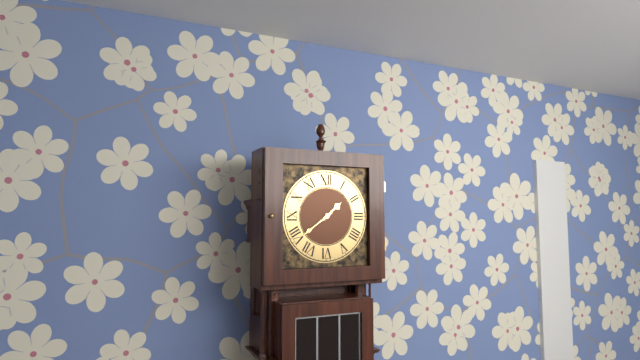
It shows 1 h 39 min
